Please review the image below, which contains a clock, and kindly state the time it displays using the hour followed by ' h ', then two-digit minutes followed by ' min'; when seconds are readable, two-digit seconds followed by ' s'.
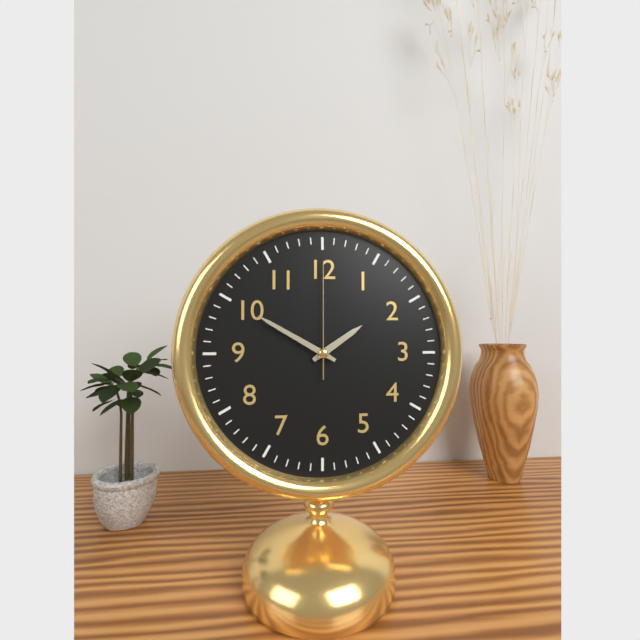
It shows 1 h 50 min 00 s
